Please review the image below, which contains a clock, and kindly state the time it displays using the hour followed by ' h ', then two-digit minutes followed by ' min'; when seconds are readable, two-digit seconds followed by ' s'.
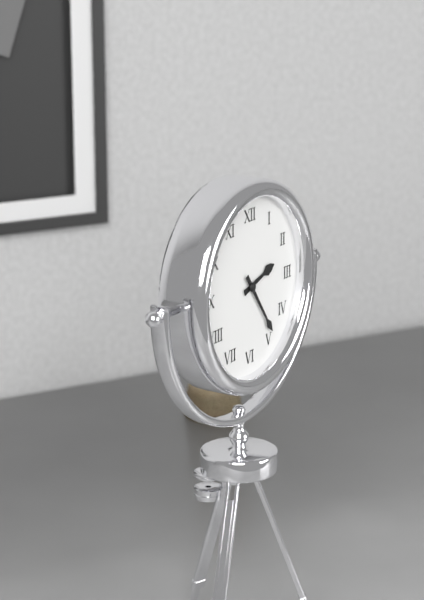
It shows 2 h 24 min
